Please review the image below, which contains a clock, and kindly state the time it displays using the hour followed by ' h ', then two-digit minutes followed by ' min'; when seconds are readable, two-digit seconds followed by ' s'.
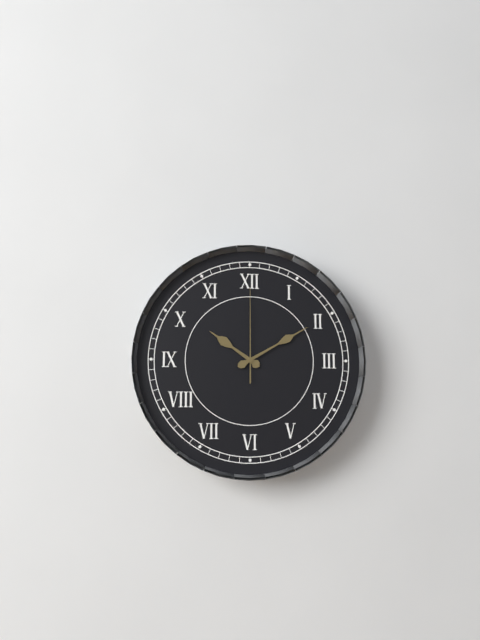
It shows 10 h 10 min 00 s
